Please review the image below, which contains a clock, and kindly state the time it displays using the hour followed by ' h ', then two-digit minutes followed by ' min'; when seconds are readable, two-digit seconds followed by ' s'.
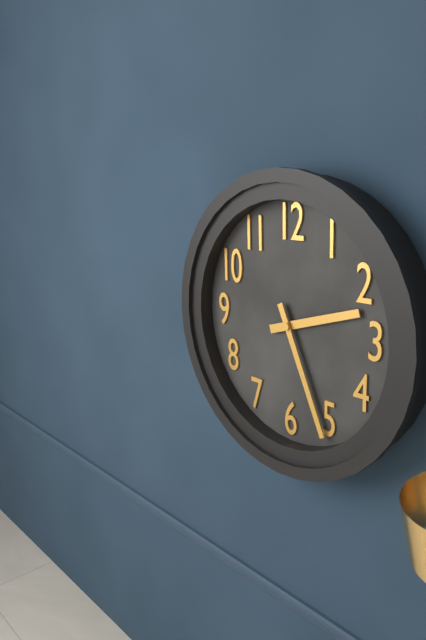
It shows 2 h 26 min
